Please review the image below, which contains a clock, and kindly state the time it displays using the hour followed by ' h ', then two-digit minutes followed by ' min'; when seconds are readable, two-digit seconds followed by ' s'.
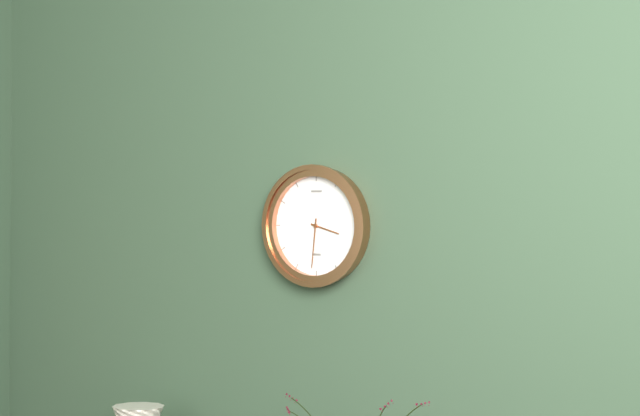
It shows 3 h 31 min
